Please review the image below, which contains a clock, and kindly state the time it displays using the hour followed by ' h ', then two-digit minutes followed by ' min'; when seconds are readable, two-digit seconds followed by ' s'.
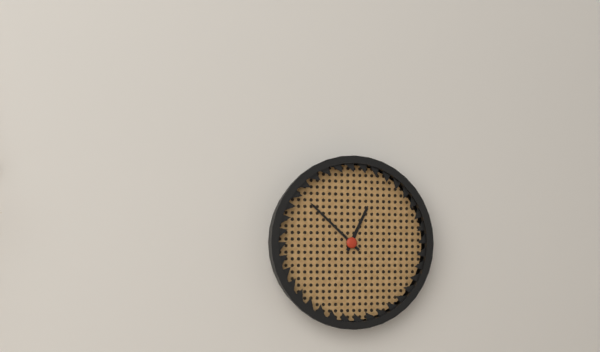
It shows 12 h 52 min
